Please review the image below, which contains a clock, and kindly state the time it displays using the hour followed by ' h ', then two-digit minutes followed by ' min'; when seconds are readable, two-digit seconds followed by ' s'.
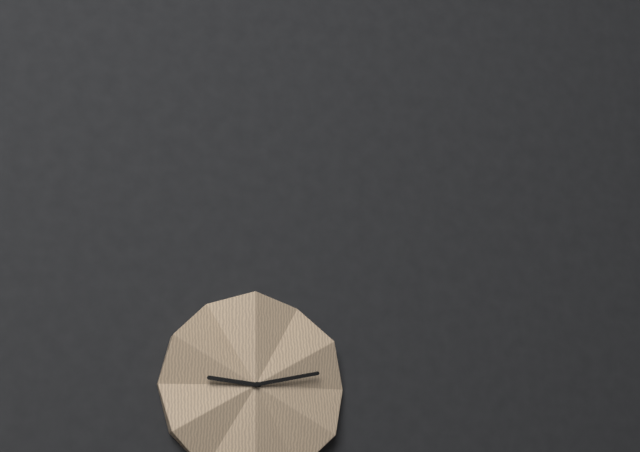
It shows 9 h 13 min
